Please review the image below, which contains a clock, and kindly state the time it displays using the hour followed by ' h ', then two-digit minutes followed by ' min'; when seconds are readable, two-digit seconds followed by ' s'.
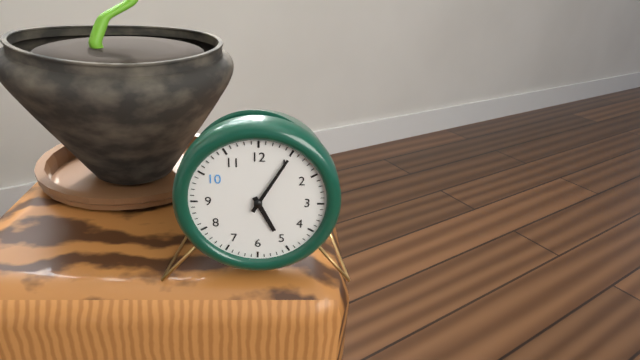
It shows 5 h 05 min
